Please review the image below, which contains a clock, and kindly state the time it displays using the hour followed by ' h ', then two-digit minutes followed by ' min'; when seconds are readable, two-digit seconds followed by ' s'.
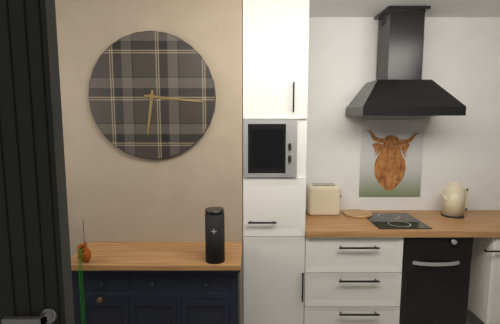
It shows 6 h 16 min
